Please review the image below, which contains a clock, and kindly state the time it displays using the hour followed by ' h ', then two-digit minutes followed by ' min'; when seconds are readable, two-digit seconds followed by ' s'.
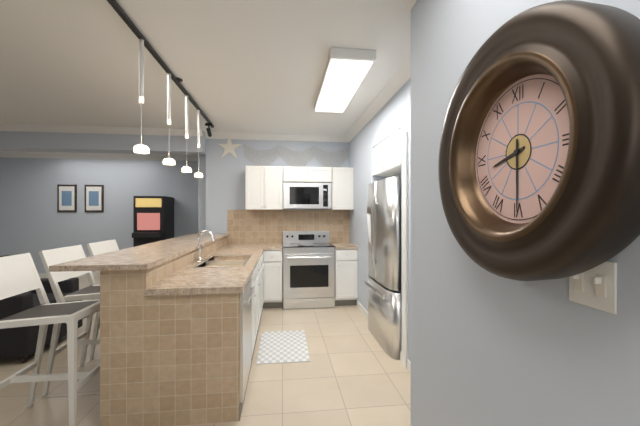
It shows 8 h 30 min
